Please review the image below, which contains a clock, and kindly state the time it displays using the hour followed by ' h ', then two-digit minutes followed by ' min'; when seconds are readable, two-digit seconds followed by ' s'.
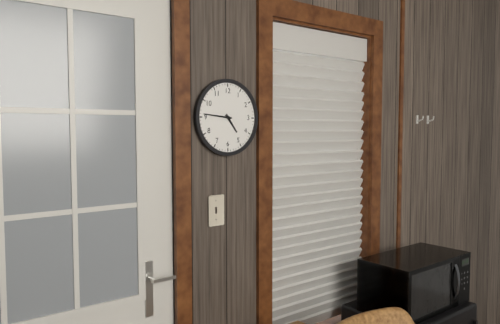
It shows 4 h 46 min
